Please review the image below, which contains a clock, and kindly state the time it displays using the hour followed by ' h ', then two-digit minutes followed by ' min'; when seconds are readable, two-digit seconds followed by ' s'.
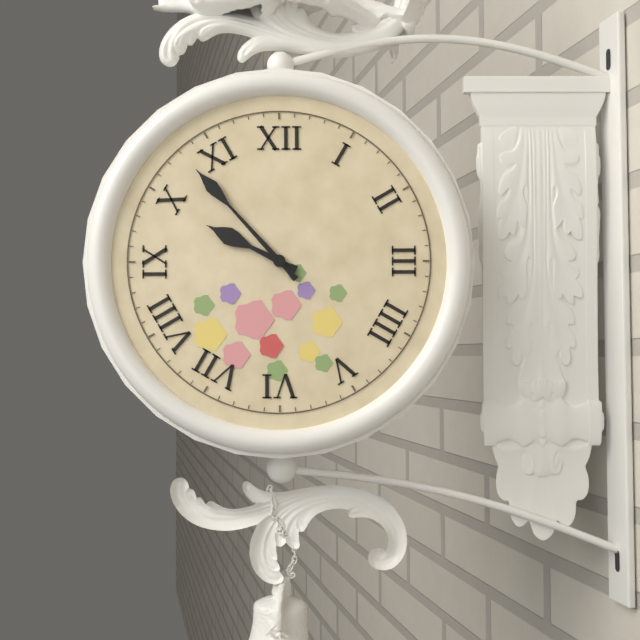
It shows 9 h 53 min
